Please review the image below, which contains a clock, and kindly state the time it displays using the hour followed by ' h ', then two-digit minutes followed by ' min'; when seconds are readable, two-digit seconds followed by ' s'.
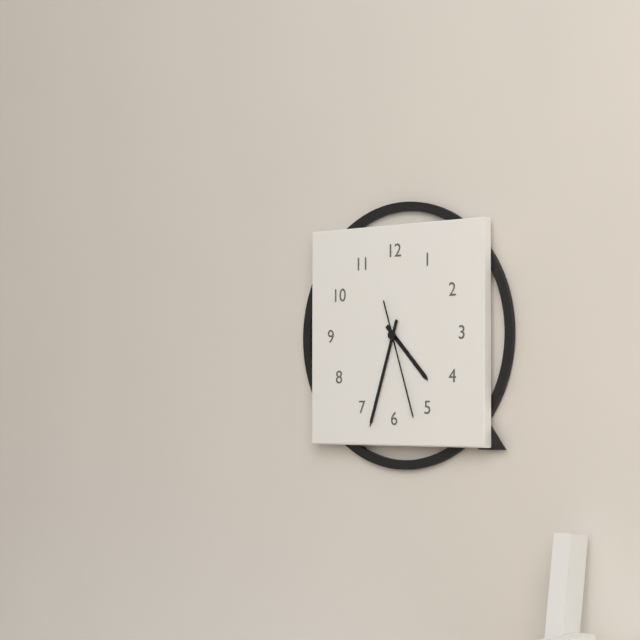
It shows 4 h 33 min 27 s
